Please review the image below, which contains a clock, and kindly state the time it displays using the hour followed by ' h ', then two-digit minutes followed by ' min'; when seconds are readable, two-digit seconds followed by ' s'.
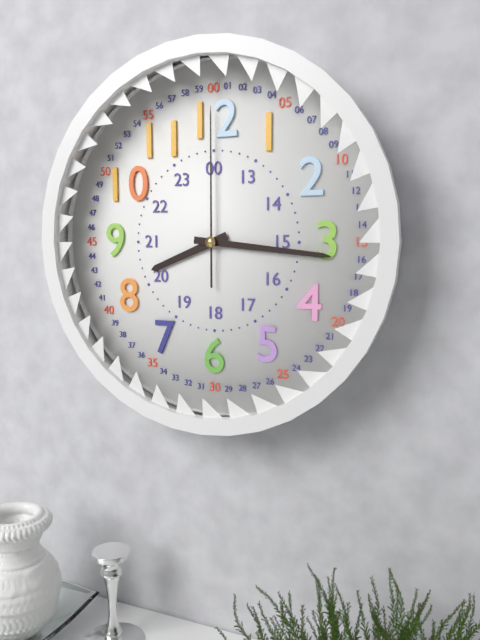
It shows 8 h 16 min 00 s
